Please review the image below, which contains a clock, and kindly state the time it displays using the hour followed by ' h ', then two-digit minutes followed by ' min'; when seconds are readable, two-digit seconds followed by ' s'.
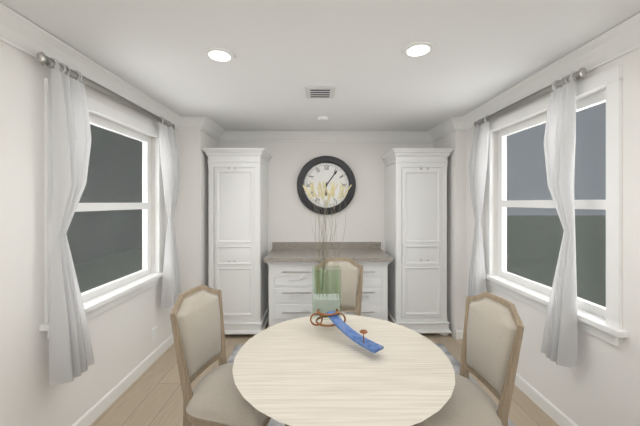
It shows 6 h 06 min
